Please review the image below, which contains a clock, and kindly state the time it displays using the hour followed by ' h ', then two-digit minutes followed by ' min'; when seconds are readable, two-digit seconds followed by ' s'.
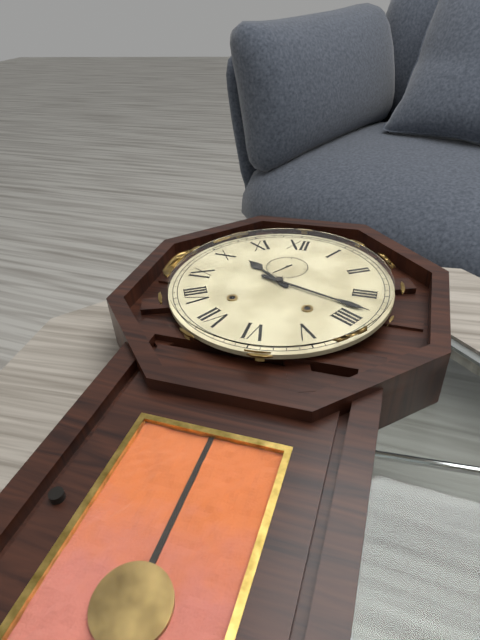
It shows 10 h 18 min 36 s
